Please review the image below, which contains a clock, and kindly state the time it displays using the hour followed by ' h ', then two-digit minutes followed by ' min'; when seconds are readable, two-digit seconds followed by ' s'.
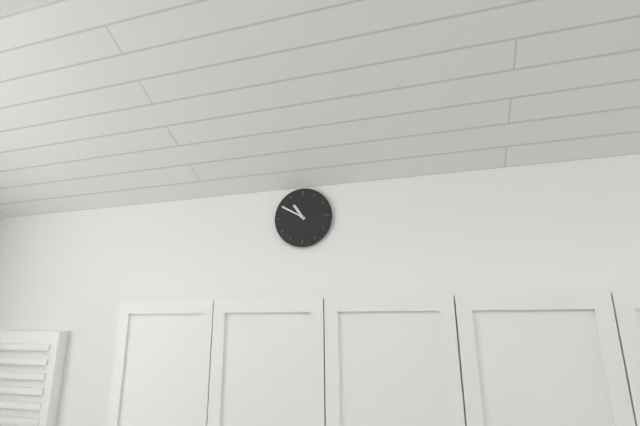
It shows 10 h 50 min
